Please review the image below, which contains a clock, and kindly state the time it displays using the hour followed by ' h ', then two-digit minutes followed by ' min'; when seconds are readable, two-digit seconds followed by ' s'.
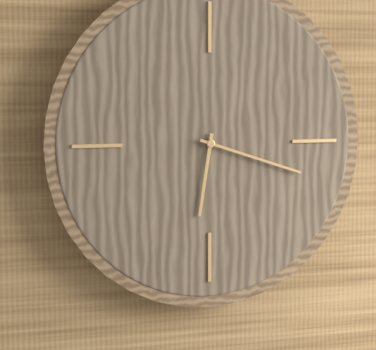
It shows 6 h 18 min
